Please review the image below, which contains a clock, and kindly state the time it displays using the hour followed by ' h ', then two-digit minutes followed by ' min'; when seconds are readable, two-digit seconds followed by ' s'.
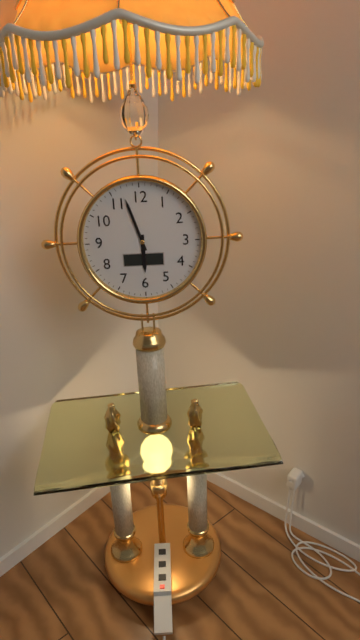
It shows 5 h 57 min
